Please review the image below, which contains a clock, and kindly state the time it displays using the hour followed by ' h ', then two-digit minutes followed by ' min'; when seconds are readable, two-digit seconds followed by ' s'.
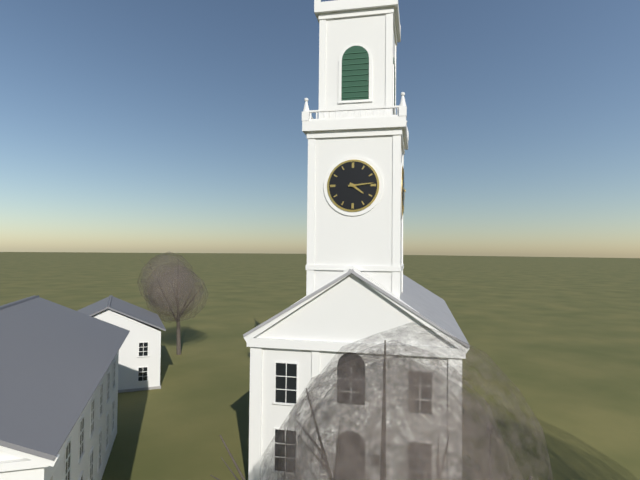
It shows 4 h 14 min
